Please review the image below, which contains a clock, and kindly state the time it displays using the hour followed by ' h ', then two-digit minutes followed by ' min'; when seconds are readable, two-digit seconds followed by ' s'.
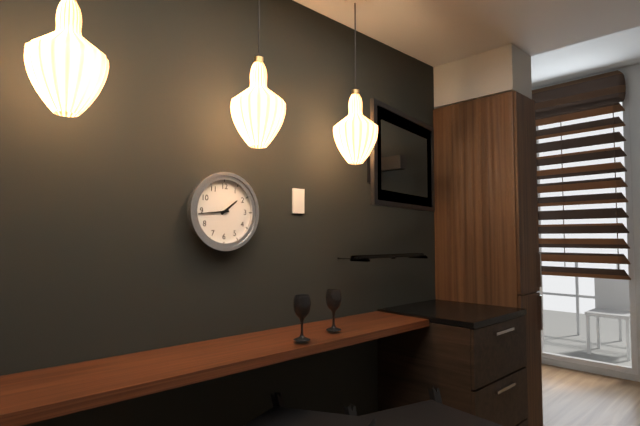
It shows 1 h 44 min
